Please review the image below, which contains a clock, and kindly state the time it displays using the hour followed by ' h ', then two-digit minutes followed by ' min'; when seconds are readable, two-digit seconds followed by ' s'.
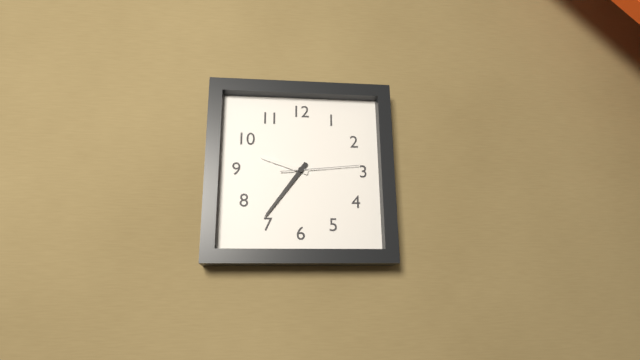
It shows 9 h 36 min 14 s
